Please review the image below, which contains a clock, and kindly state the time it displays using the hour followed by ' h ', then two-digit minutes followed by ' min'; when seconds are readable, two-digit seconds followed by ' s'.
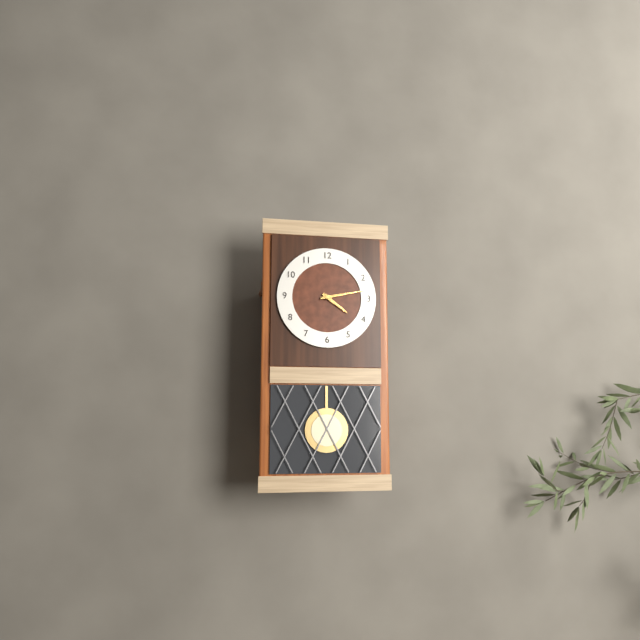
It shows 4 h 13 min
